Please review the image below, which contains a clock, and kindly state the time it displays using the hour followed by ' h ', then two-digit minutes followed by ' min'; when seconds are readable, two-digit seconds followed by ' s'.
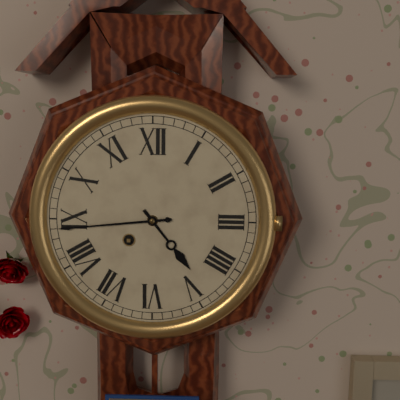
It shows 4 h 44 min
